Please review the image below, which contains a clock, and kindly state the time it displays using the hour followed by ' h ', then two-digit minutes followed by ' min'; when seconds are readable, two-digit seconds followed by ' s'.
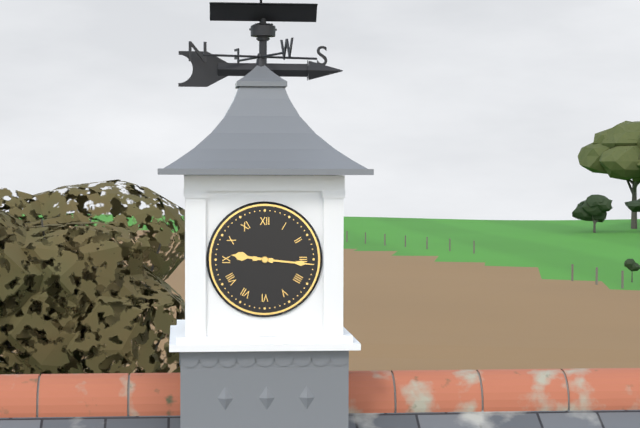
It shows 9 h 16 min
